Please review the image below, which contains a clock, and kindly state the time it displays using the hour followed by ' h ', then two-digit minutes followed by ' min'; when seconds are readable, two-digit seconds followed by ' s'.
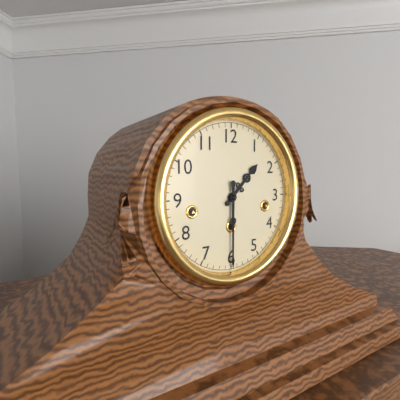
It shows 1 h 30 min
